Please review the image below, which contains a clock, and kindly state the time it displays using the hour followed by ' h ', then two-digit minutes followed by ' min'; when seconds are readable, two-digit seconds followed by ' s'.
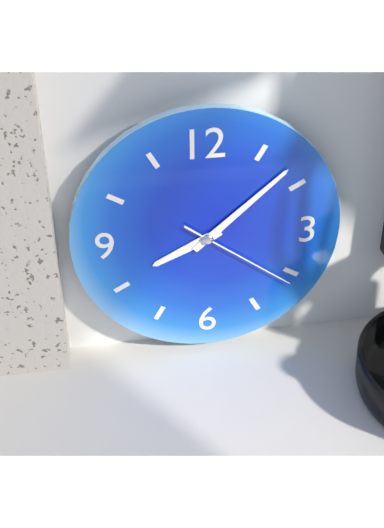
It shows 8 h 08 min 21 s
